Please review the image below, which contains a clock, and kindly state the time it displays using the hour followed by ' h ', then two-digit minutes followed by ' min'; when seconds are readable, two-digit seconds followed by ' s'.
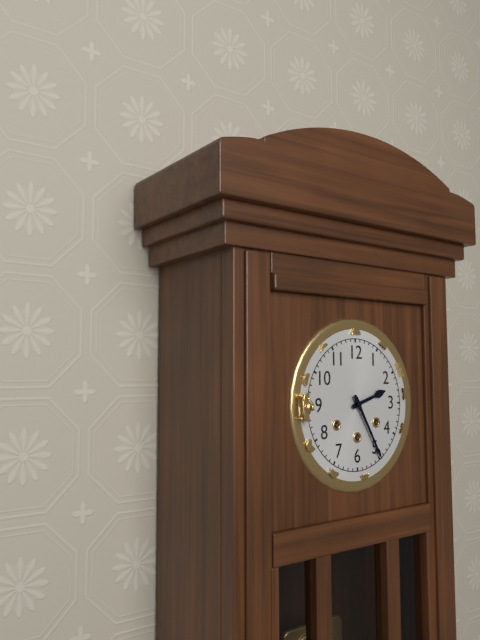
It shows 2 h 25 min
